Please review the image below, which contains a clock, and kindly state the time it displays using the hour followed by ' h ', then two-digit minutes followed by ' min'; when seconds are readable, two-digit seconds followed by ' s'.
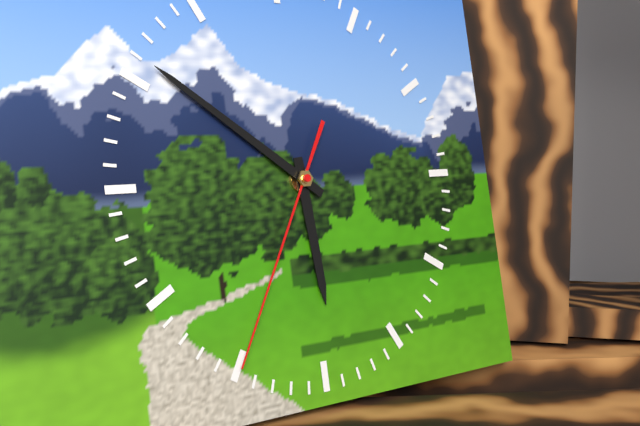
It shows 5 h 51 min 35 s
